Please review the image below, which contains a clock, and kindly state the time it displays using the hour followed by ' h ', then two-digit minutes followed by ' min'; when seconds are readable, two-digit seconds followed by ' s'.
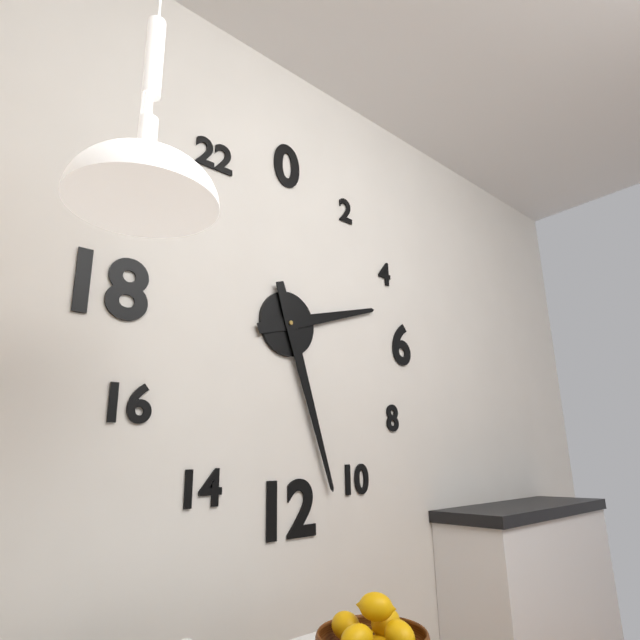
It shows 2 h 27 min
